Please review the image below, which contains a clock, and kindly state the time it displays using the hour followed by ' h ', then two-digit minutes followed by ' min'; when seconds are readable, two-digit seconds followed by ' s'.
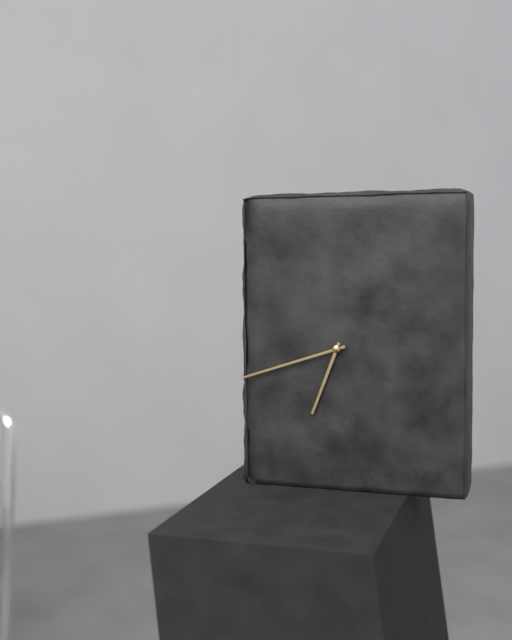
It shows 6 h 42 min
